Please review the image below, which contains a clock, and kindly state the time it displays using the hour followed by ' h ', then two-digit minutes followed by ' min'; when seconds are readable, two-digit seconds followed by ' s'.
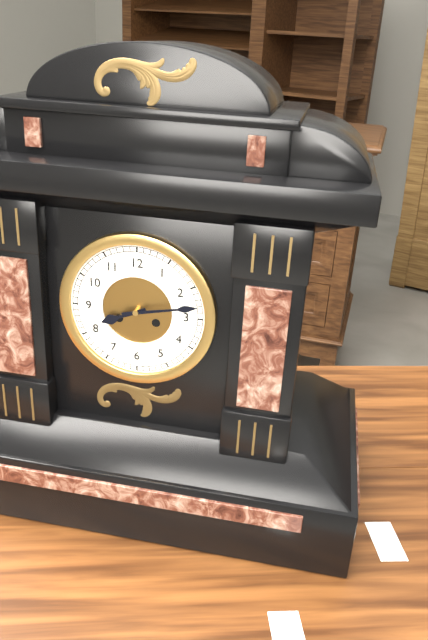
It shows 8 h 13 min
